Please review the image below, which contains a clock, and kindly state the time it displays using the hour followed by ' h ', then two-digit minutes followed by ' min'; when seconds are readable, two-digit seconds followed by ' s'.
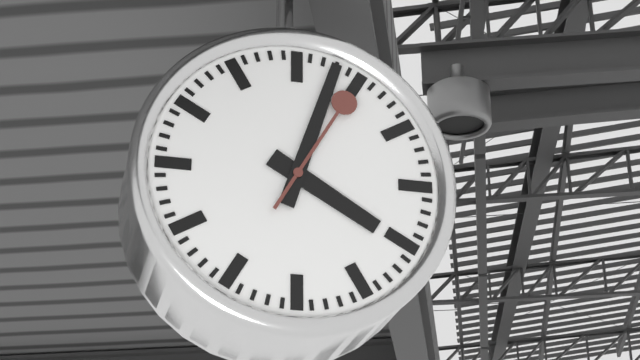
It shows 4 h 03 min 05 s
